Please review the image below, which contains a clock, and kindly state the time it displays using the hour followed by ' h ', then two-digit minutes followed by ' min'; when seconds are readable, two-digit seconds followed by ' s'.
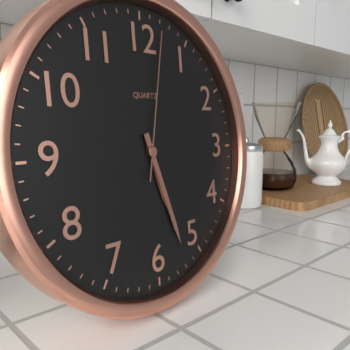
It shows 5 h 27 min 02 s
